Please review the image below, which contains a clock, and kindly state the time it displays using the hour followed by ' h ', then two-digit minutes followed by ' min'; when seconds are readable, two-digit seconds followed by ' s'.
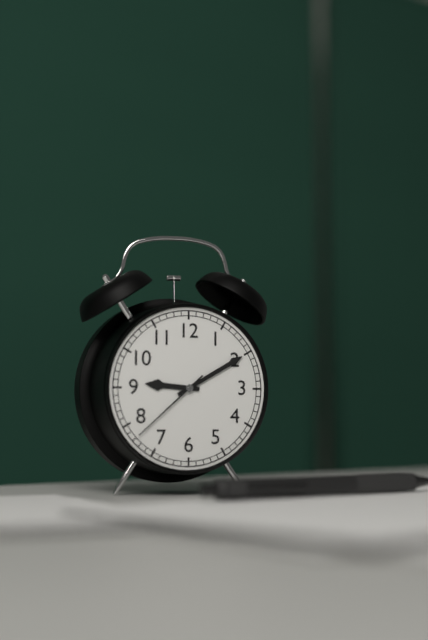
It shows 9 h 10 min 38 s
